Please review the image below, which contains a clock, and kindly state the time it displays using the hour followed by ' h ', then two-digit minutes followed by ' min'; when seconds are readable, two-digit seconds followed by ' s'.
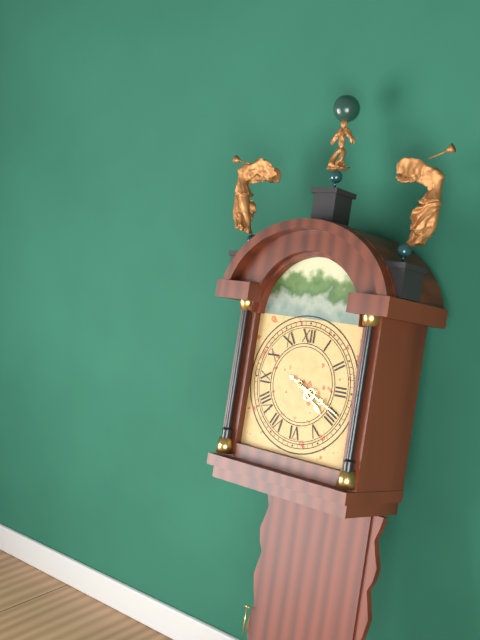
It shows 4 h 19 min
